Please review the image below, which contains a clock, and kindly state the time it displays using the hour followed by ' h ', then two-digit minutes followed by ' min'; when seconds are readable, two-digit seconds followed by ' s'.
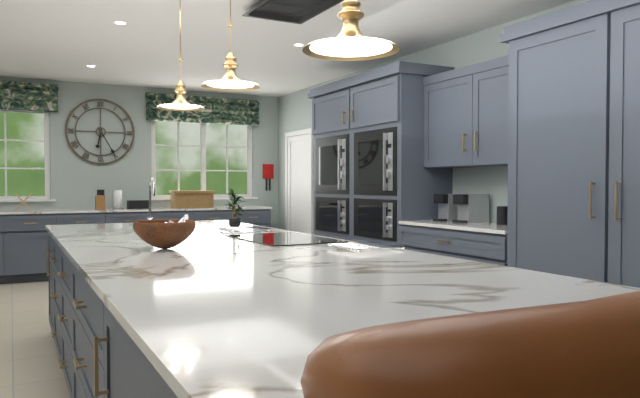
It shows 6 h 25 min
